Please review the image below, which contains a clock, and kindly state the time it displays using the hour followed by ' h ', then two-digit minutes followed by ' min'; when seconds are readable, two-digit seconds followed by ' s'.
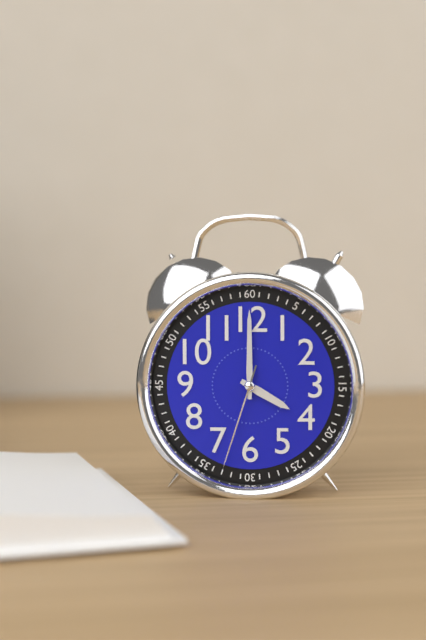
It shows 4 h 00 min 33 s
